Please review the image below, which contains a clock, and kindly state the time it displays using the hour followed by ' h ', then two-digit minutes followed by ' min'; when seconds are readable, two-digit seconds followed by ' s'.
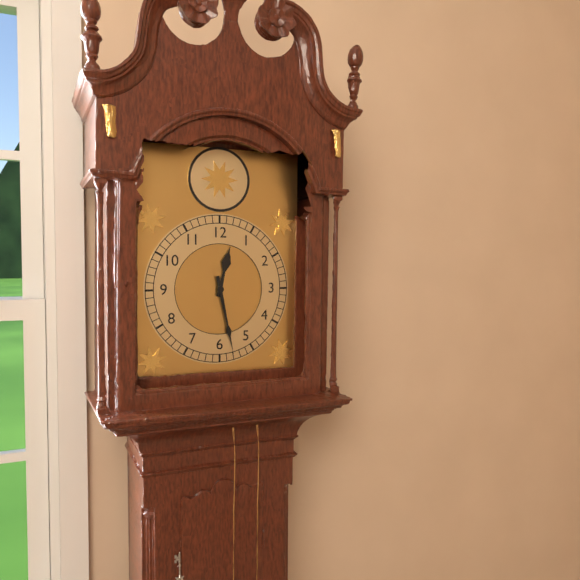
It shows 12 h 28 min
